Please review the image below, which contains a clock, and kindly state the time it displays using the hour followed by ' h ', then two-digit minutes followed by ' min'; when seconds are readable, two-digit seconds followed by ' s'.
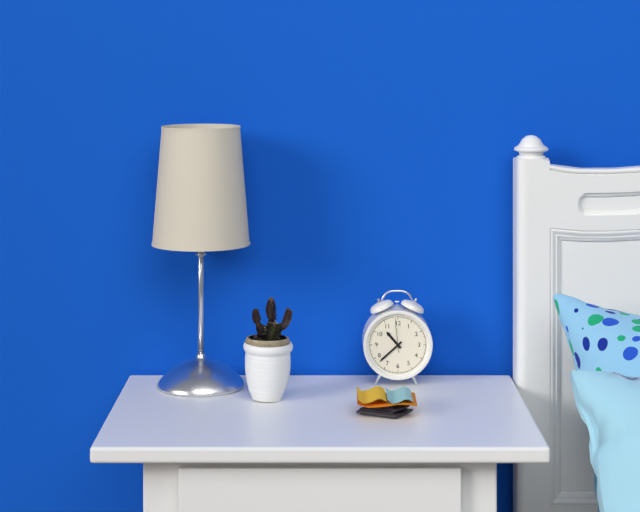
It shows 10 h 38 min
